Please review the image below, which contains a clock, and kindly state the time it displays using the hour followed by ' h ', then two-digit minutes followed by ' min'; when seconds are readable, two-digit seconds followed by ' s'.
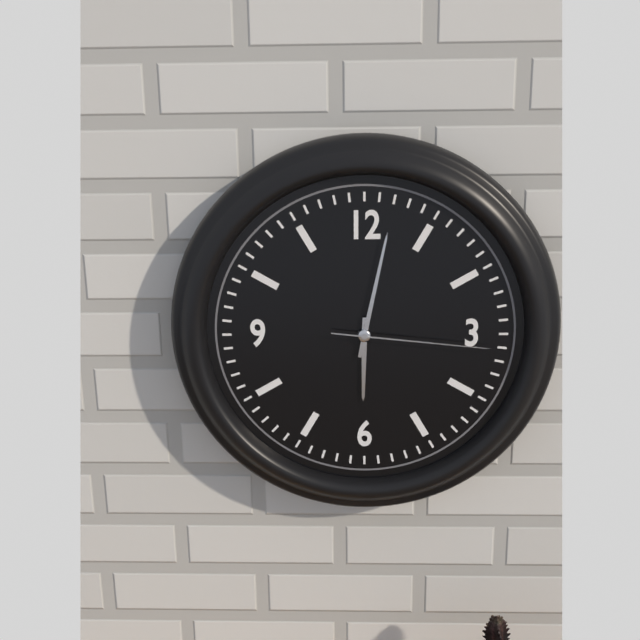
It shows 6 h 02 min 16 s
